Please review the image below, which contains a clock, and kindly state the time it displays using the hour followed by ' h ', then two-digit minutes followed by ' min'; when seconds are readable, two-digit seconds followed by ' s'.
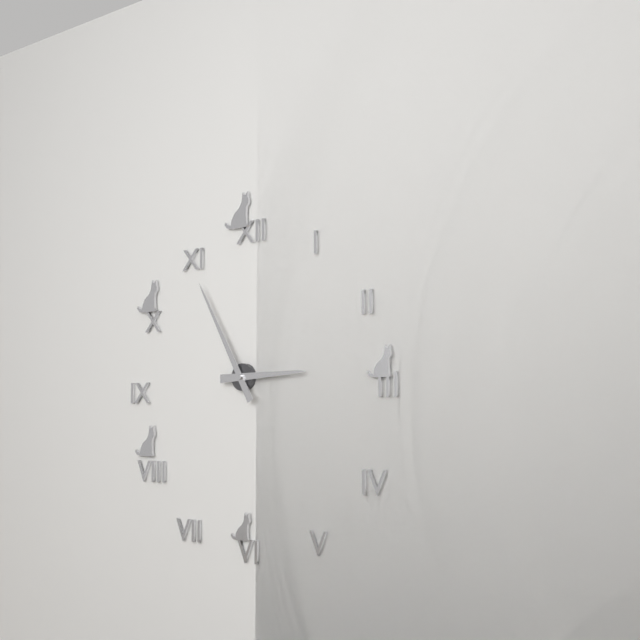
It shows 2 h 55 min
